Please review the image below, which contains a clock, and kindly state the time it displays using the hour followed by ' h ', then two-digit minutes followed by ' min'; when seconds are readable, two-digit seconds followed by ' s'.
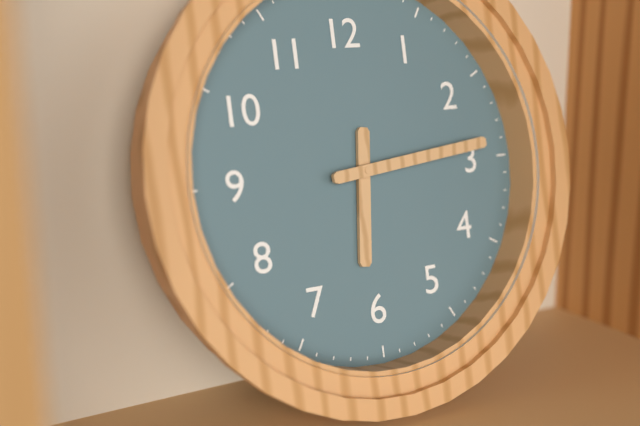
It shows 6 h 14 min
